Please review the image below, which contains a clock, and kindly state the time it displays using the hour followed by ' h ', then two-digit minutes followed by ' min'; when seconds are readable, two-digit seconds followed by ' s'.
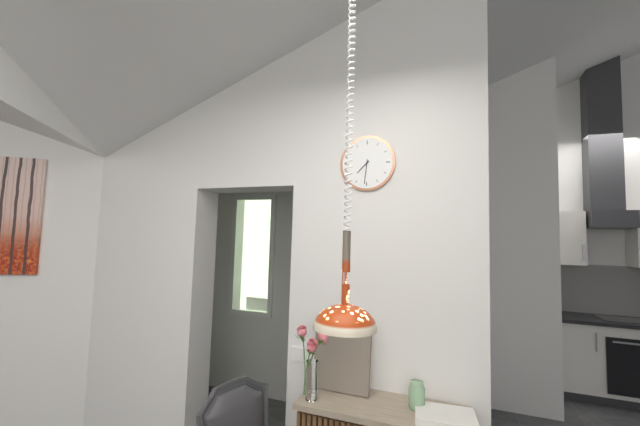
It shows 7 h 31 min
